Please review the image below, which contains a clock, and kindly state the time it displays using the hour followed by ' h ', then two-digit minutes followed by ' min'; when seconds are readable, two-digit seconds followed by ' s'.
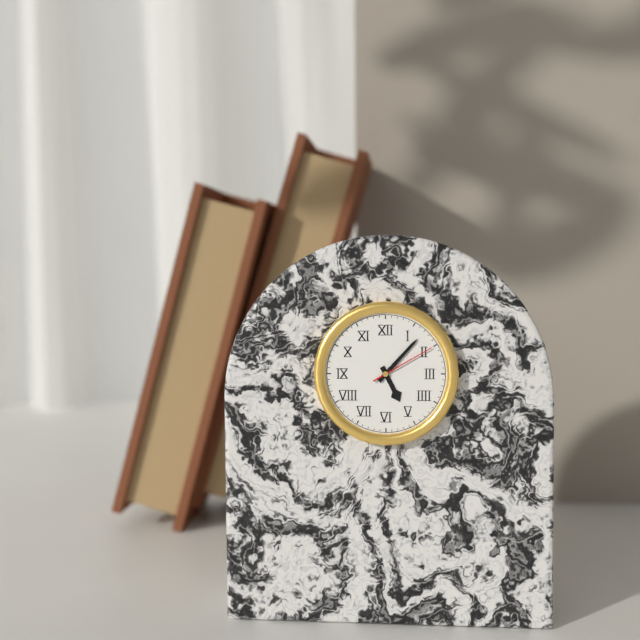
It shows 5 h 07 min 10 s
